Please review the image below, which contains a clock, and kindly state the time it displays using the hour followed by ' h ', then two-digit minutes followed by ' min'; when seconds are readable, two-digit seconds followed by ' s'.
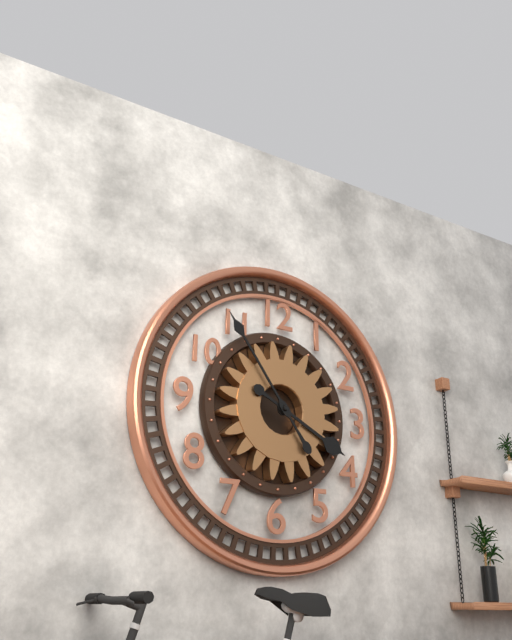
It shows 3 h 54 min
